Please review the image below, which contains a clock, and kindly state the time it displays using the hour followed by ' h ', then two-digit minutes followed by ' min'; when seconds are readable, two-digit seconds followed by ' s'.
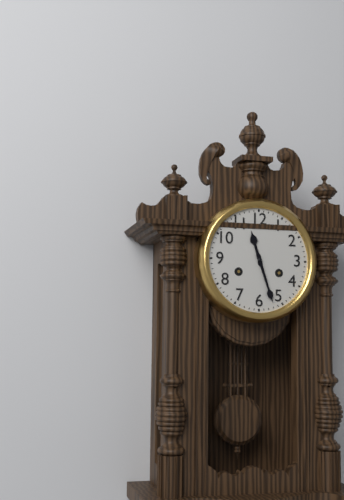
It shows 11 h 27 min
